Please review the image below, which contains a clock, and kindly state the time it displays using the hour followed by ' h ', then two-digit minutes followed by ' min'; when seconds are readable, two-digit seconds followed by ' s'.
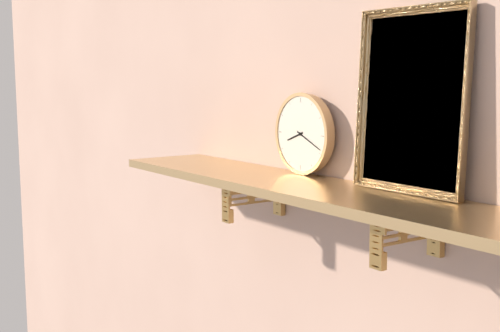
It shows 8 h 19 min
